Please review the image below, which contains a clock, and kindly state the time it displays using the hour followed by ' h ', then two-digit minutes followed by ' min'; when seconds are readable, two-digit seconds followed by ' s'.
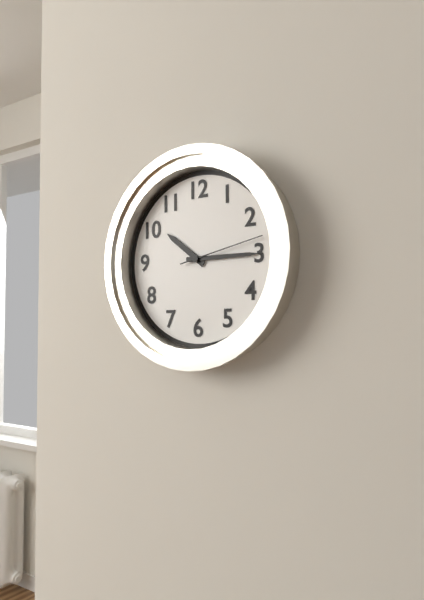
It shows 10 h 15 min 13 s
